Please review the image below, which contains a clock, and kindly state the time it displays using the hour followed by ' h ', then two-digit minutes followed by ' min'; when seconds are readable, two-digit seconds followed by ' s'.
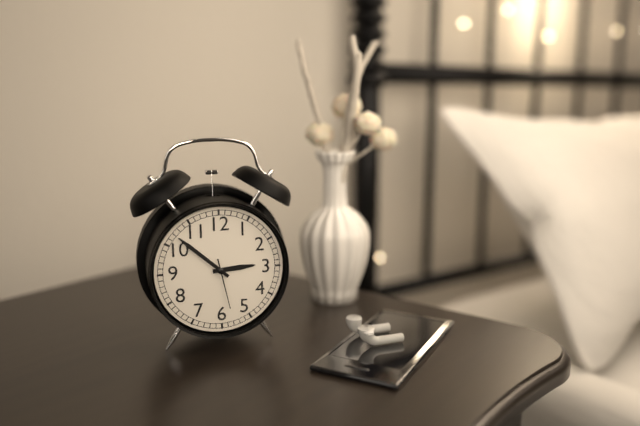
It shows 2 h 52 min
